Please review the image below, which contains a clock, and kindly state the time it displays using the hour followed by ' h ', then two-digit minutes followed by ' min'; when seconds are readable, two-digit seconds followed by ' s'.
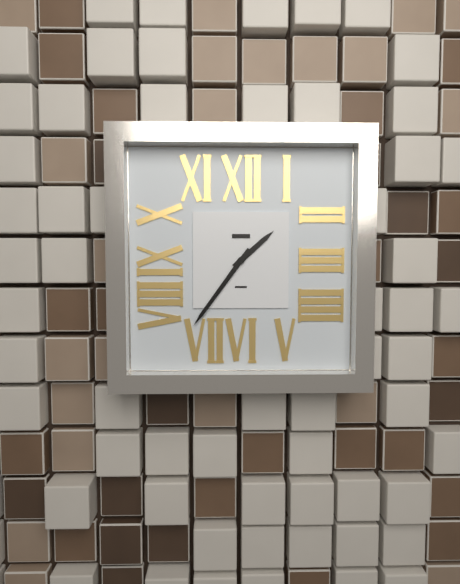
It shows 1 h 36 min
